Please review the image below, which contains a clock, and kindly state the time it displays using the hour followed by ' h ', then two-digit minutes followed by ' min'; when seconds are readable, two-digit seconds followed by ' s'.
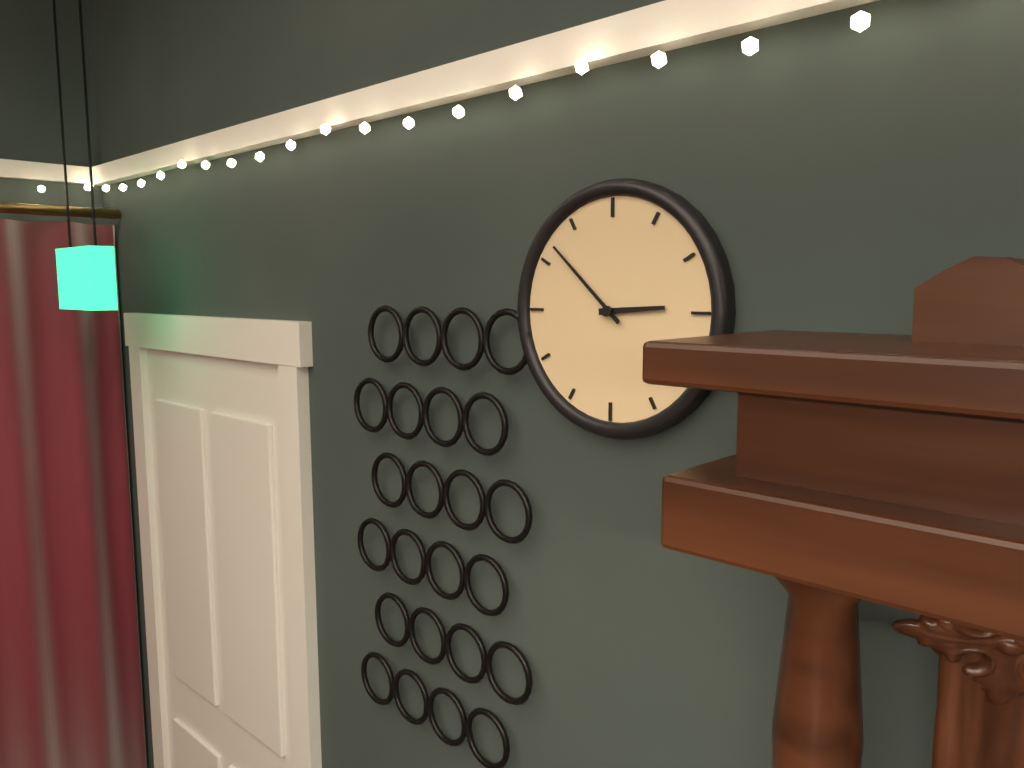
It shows 2 h 52 min
